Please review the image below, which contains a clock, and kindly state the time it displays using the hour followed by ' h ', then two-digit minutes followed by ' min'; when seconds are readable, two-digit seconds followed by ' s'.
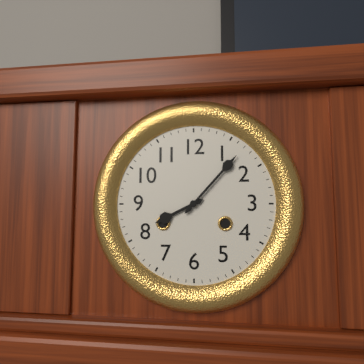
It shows 8 h 07 min
